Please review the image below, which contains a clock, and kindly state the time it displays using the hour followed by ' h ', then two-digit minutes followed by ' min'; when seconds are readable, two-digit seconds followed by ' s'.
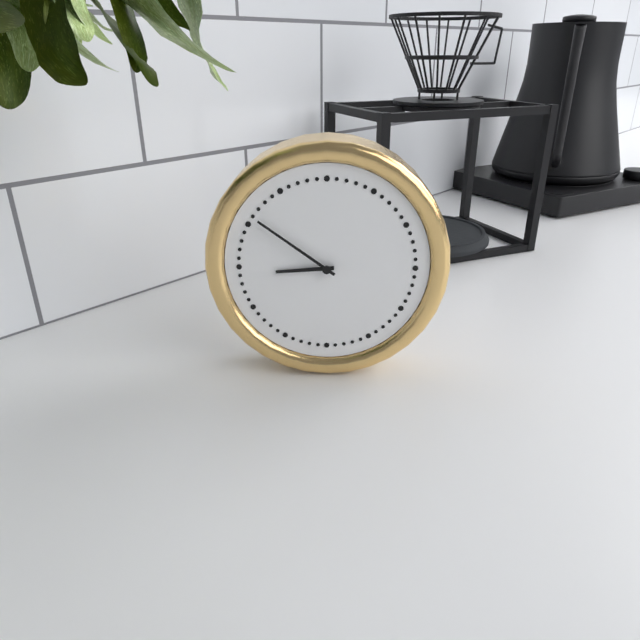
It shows 8 h 51 min
